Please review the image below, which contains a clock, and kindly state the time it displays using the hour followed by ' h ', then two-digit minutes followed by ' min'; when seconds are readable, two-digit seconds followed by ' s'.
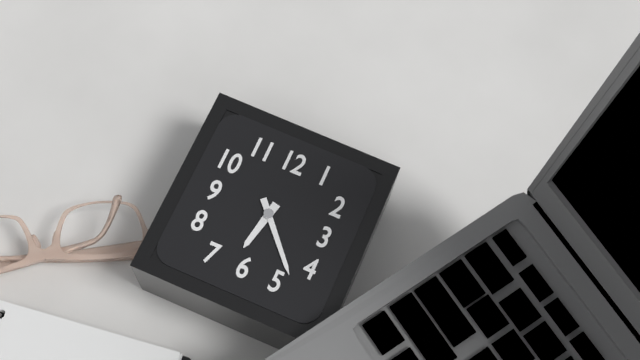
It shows 6 h 23 min
